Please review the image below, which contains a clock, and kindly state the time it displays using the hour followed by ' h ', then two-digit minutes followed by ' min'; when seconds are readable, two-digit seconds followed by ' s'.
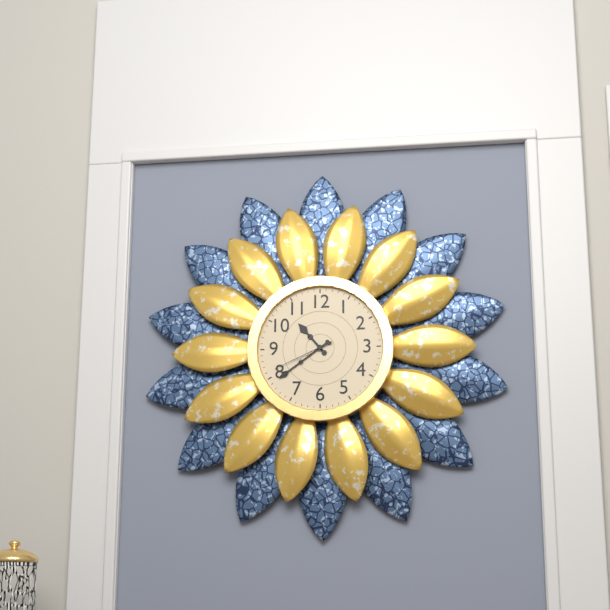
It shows 10 h 39 min 41 s
